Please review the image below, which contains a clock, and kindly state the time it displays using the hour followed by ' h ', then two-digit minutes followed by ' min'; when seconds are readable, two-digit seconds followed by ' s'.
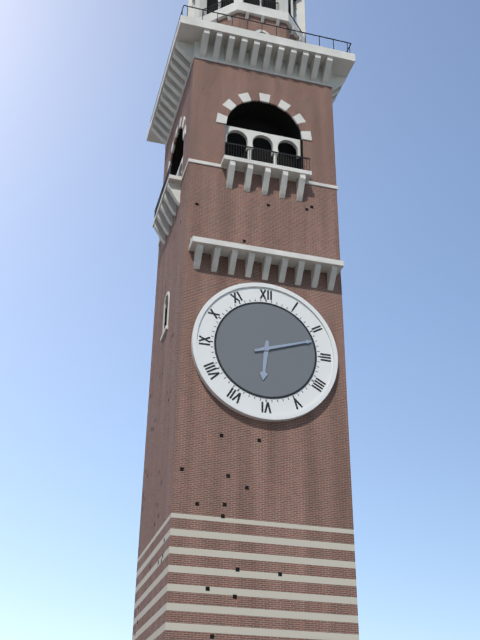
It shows 6 h 12 min
